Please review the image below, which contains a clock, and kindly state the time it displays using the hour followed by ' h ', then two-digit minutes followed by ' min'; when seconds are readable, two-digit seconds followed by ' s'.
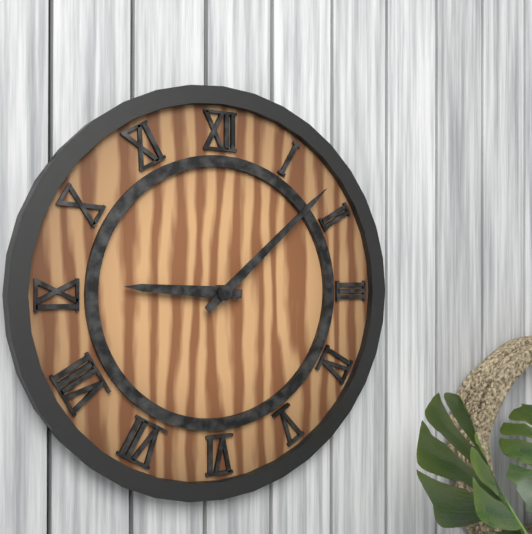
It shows 9 h 08 min
